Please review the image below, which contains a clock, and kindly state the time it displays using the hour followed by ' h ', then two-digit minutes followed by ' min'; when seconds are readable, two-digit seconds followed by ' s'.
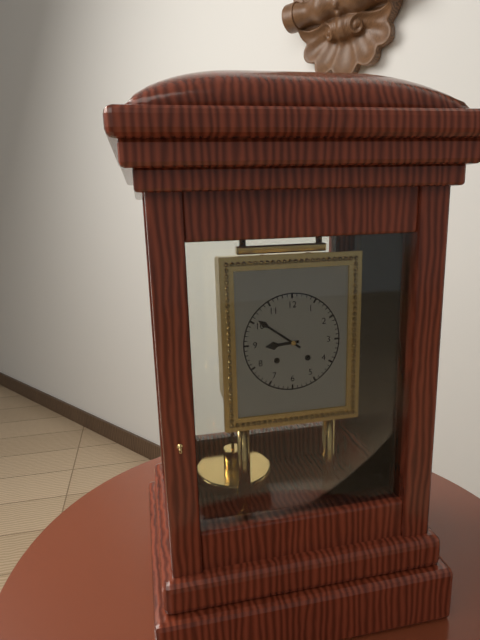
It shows 8 h 51 min
